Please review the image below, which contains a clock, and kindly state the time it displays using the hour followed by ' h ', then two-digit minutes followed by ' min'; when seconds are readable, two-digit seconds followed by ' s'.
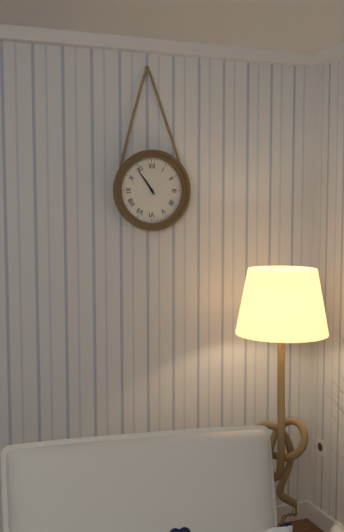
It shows 10 h 54 min
